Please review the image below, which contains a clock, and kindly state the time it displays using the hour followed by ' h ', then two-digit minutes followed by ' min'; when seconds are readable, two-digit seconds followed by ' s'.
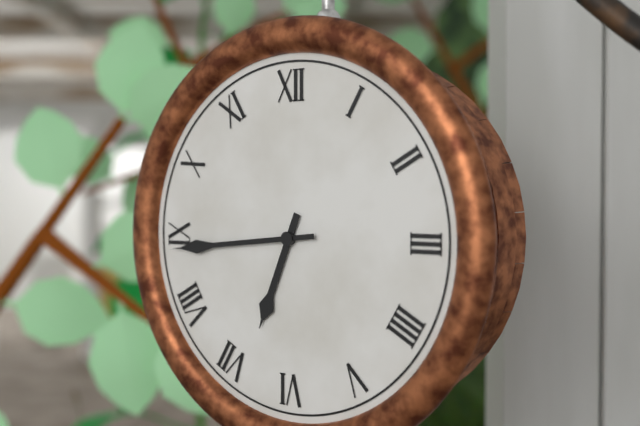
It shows 6 h 44 min
